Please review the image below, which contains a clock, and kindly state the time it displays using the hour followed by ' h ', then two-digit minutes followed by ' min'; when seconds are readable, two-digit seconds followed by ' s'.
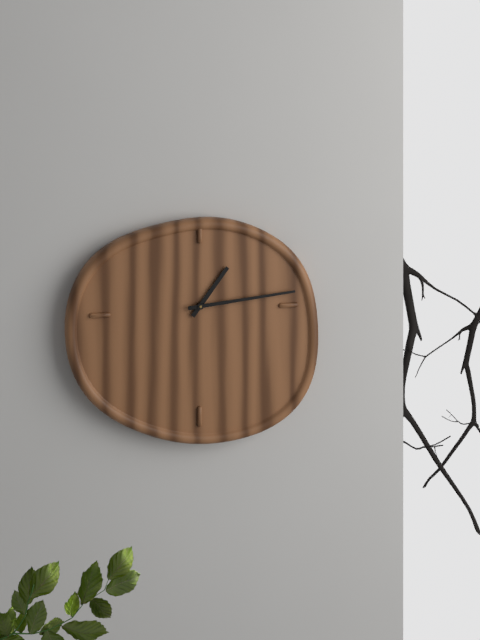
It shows 1 h 14 min
